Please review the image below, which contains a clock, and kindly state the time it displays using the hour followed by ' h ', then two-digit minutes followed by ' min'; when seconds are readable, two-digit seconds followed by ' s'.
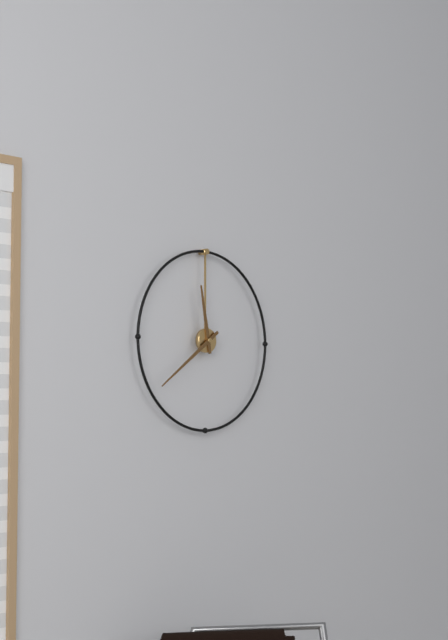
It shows 11 h 39 min
